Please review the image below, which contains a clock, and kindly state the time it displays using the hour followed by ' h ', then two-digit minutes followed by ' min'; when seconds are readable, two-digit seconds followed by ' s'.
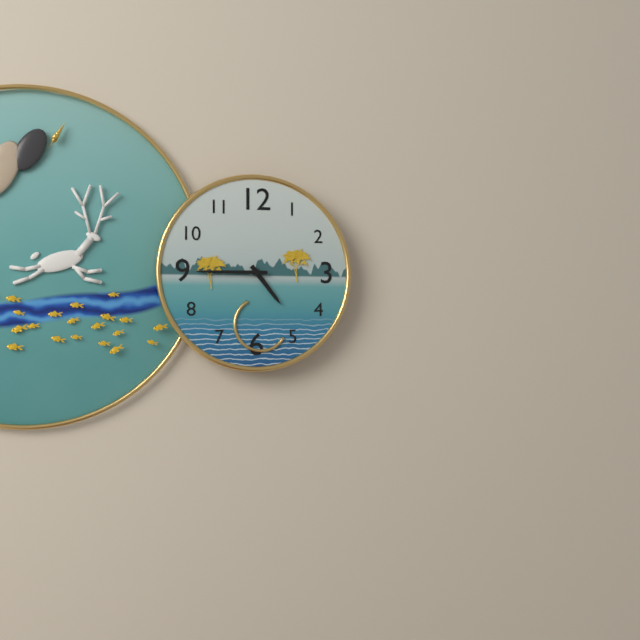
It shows 4 h 45 min
